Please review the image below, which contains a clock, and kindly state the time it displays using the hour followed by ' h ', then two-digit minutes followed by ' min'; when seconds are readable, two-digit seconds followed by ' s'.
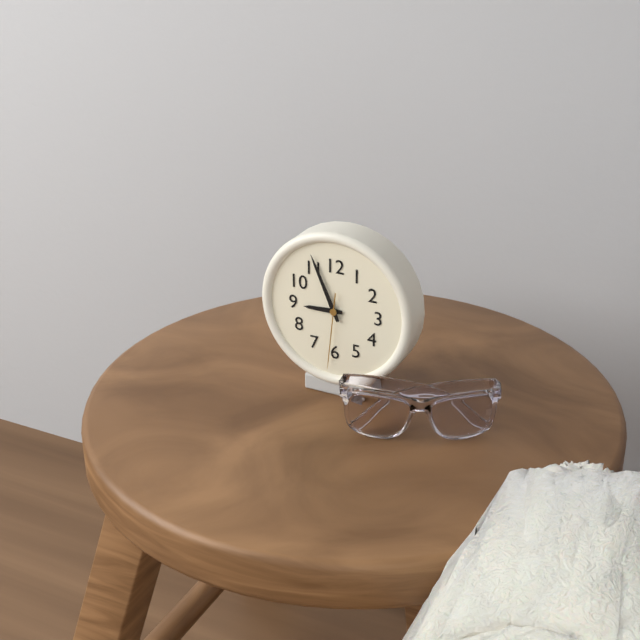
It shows 8 h 56 min 31 s
